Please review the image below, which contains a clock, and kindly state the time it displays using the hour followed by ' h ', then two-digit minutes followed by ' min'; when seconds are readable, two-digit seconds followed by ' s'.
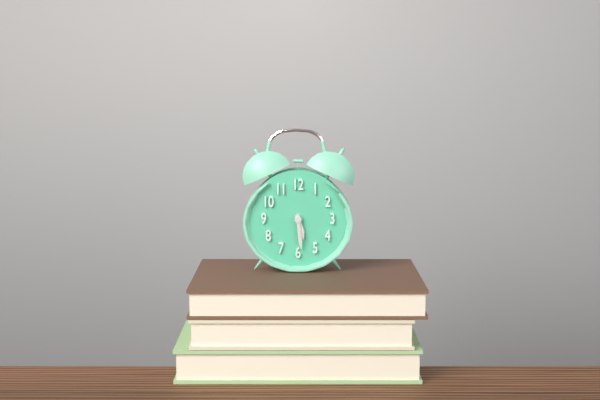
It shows 5 h 29 min
